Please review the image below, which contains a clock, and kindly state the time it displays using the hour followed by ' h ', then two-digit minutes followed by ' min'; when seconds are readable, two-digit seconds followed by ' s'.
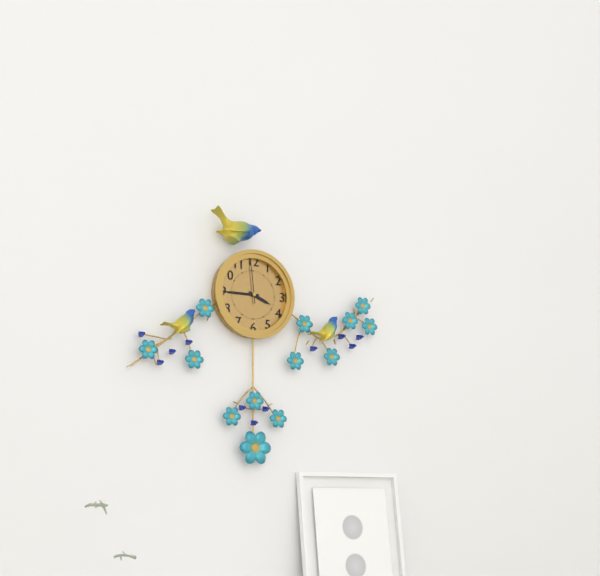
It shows 3 h 45 min
